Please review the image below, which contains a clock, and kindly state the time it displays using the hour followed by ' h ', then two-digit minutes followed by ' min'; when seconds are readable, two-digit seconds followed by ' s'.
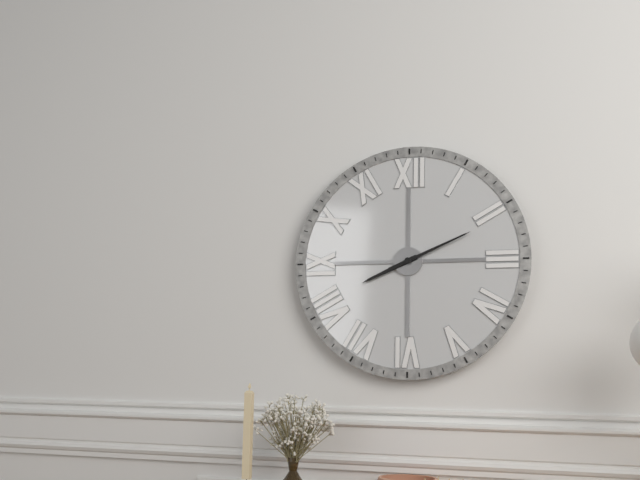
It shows 8 h 11 min
